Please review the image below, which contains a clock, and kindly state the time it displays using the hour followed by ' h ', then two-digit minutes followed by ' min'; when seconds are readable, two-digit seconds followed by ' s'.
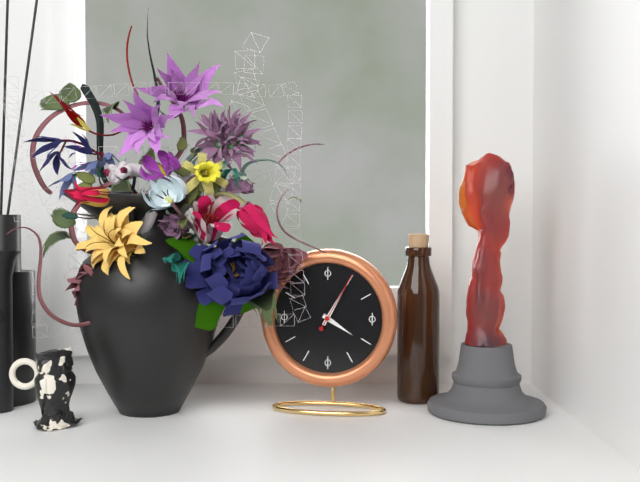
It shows 4 h 05 min 05 s
